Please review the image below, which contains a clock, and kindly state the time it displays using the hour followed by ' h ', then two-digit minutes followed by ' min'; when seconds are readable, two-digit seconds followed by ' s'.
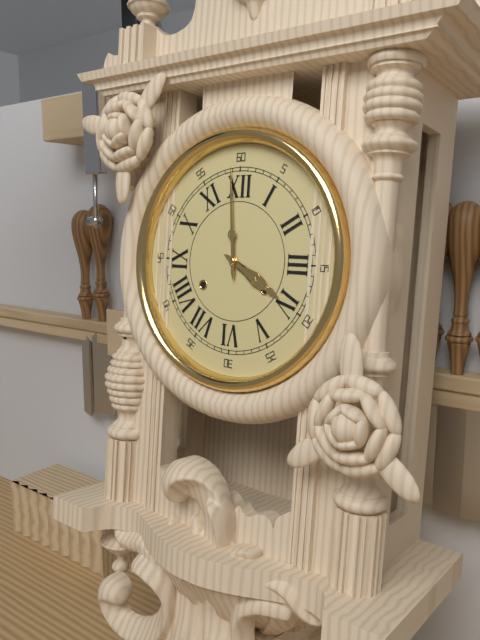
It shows 3 h 59 min
